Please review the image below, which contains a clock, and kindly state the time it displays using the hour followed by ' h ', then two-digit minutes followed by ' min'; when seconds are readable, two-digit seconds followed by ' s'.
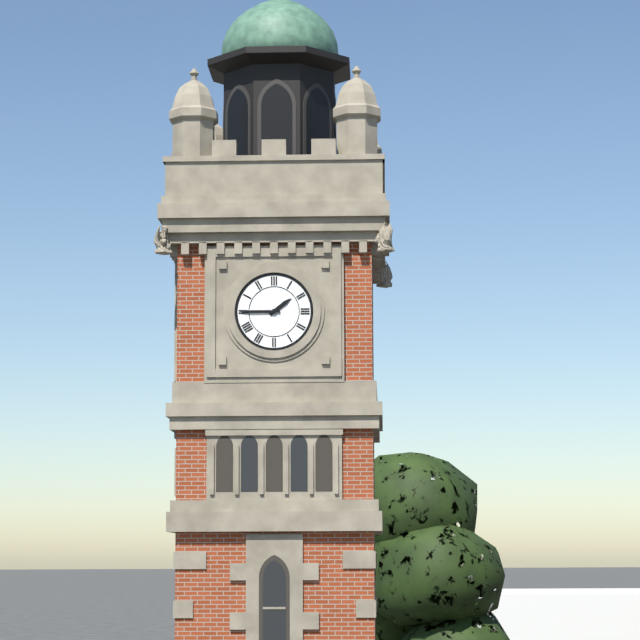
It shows 1 h 45 min
